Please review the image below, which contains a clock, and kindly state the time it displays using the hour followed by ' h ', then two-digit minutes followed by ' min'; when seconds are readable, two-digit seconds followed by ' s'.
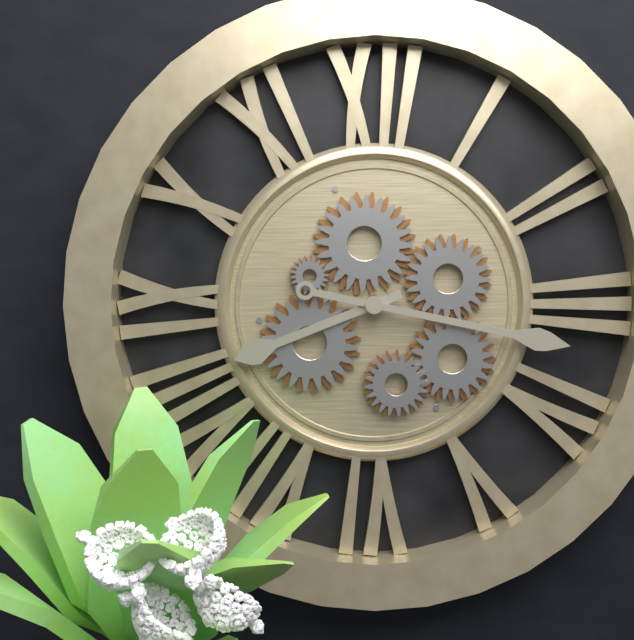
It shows 8 h 17 min
